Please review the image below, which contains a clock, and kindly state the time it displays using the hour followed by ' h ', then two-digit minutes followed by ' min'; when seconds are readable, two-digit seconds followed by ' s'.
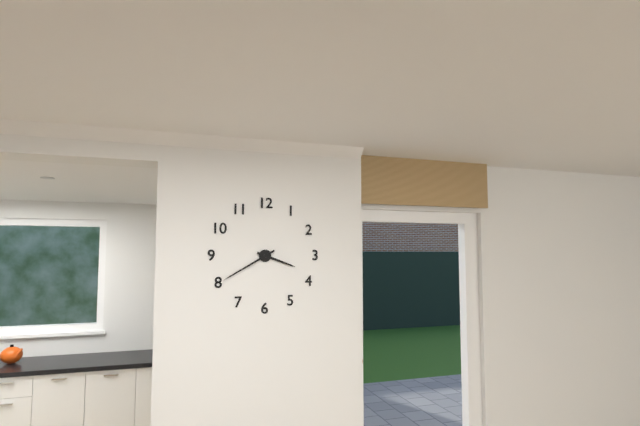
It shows 3 h 40 min
